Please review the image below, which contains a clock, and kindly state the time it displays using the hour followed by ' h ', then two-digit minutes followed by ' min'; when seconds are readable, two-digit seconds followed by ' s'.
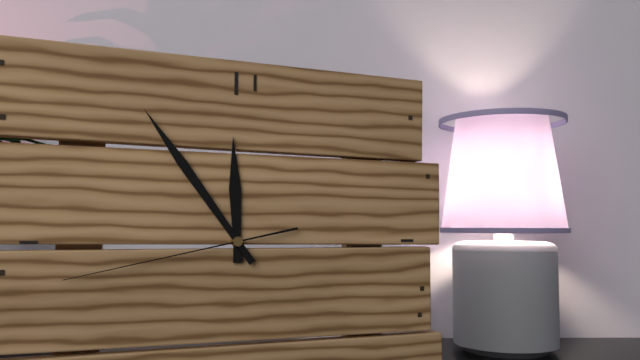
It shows 11 h 54 min 43 s
